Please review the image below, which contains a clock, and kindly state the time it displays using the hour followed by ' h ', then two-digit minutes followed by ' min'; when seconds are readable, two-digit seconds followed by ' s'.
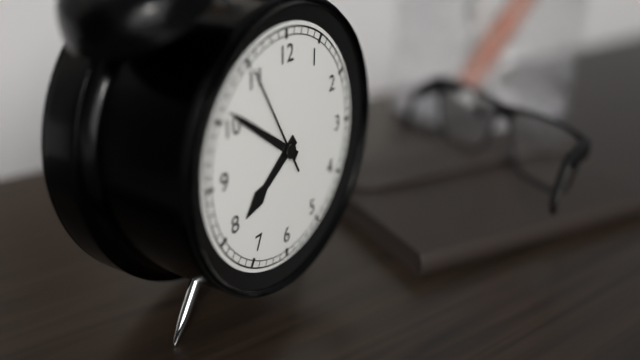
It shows 7 h 51 min 55 s
